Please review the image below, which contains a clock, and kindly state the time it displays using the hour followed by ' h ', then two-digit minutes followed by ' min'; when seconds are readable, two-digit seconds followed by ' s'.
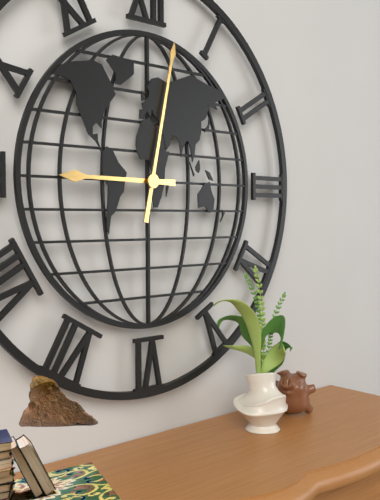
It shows 9 h 02 min
